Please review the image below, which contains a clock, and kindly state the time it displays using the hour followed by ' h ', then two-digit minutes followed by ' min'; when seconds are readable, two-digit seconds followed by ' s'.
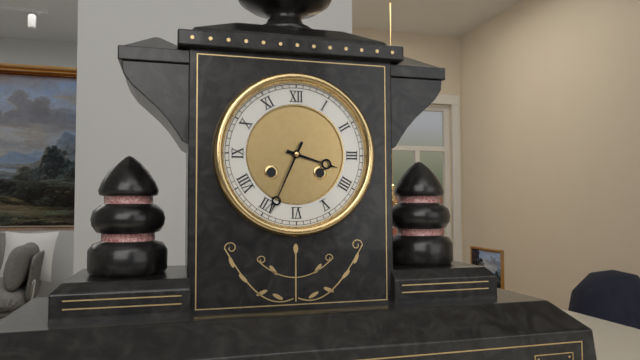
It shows 3 h 34 min
